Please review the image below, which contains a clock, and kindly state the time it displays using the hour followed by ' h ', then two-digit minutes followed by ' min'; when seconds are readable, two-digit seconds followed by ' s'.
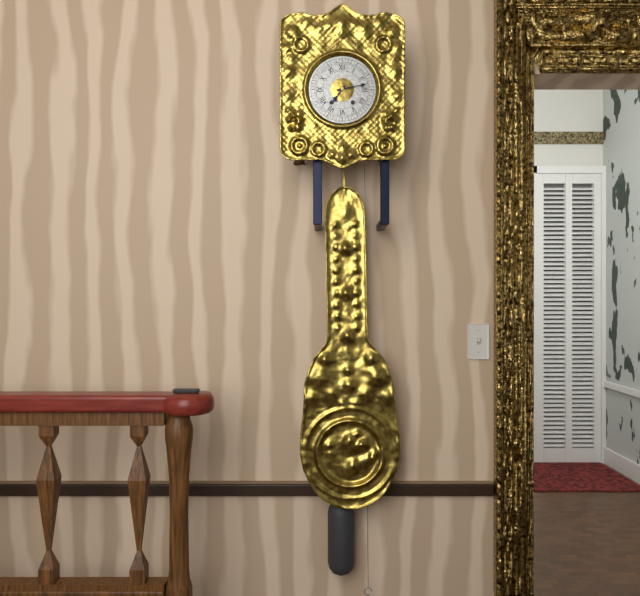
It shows 7 h 13 min
